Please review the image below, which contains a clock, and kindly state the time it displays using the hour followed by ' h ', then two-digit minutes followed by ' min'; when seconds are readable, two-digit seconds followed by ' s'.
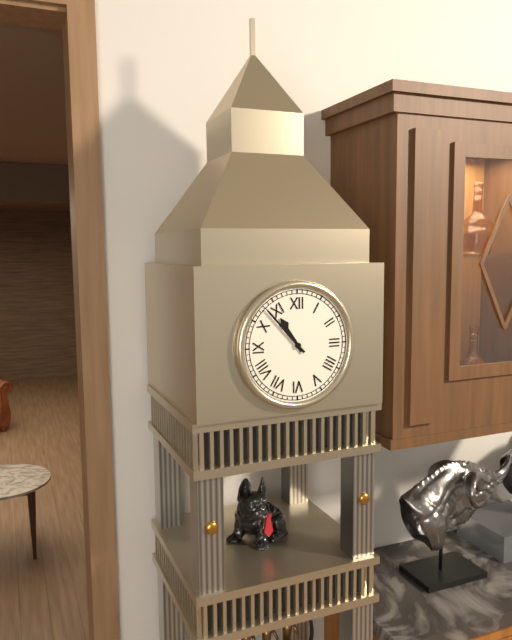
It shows 10 h 53 min
